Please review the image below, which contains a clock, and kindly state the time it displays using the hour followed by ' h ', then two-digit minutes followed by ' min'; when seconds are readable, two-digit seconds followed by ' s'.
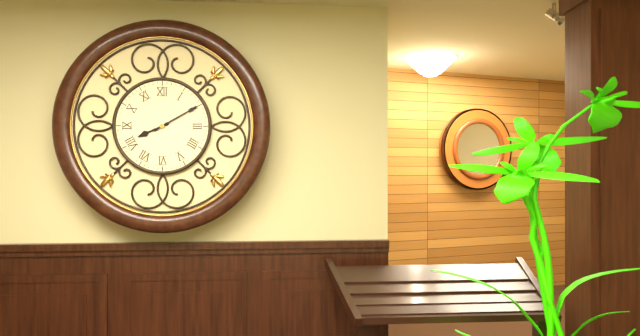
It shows 8 h 10 min
